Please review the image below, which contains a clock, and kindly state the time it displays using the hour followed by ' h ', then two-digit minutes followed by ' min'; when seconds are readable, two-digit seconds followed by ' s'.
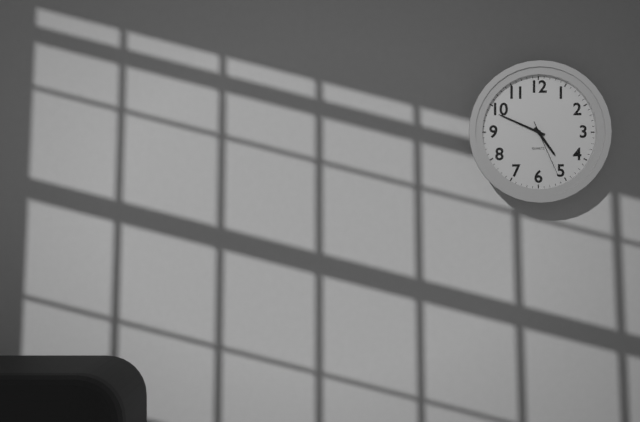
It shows 4 h 49 min 26 s
